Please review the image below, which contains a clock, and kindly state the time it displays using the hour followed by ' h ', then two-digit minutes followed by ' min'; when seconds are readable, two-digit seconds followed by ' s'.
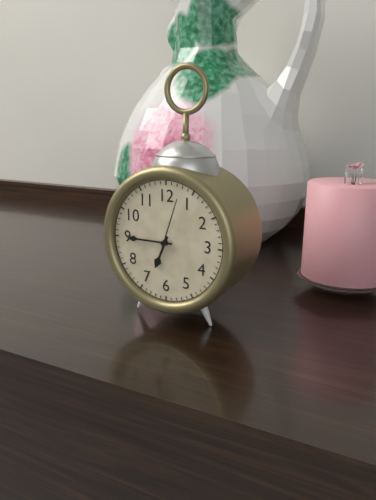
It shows 6 h 45 min 03 s
